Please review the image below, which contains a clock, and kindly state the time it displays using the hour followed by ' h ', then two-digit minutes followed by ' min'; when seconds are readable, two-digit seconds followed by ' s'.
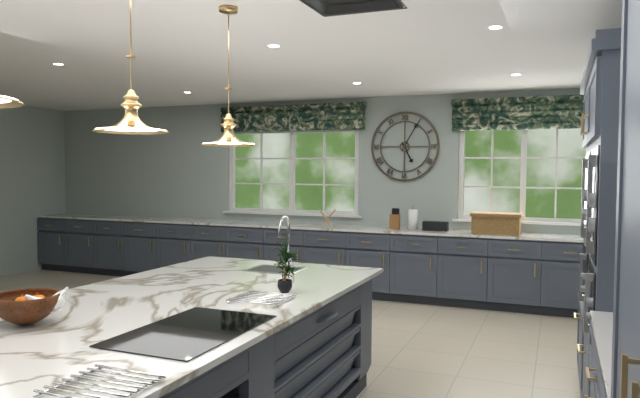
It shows 5 h 05 min
